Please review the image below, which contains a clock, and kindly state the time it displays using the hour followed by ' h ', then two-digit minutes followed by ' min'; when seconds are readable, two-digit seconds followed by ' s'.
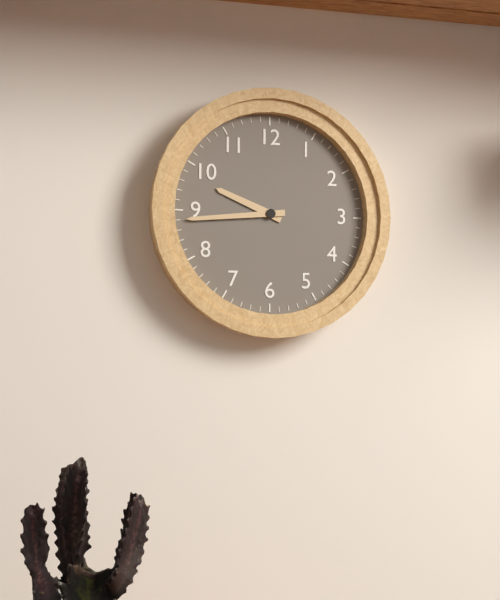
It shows 9 h 44 min
